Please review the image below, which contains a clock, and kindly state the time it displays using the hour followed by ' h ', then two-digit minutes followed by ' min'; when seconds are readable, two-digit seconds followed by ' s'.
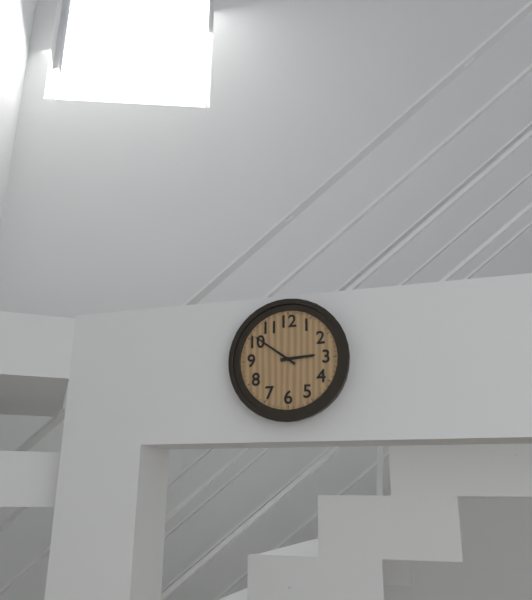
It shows 2 h 51 min
